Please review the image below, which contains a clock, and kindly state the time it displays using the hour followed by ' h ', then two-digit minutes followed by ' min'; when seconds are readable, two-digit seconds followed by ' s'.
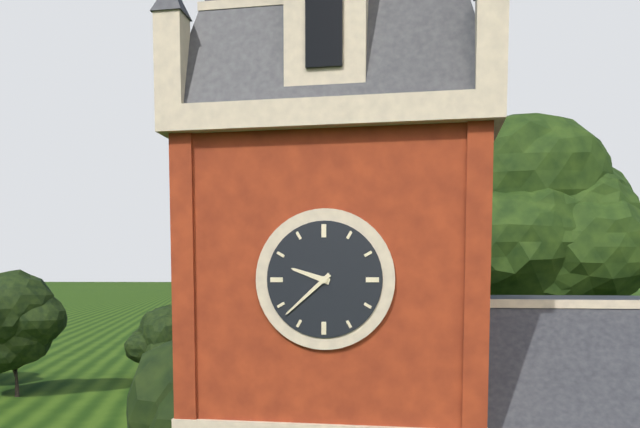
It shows 9 h 38 min
